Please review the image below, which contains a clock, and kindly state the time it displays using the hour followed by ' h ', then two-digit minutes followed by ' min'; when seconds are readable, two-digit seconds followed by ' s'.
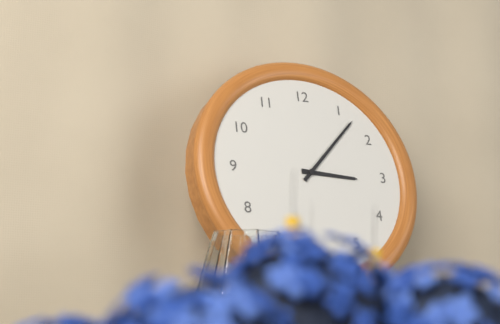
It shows 3 h 07 min
